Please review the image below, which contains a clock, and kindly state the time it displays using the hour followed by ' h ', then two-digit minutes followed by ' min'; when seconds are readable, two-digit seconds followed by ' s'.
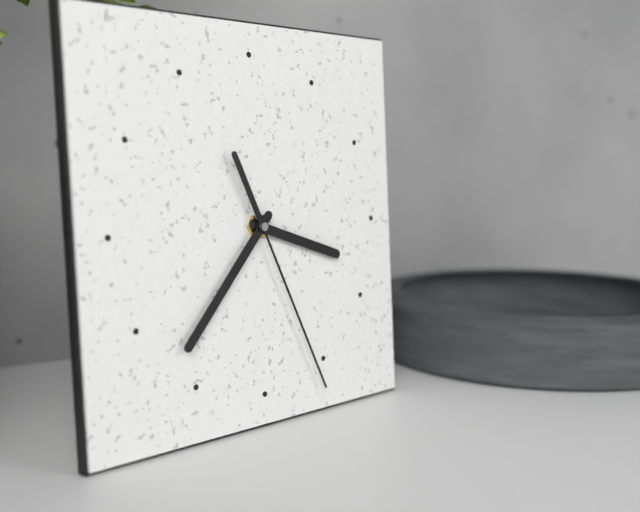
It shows 3 h 37 min 26 s
